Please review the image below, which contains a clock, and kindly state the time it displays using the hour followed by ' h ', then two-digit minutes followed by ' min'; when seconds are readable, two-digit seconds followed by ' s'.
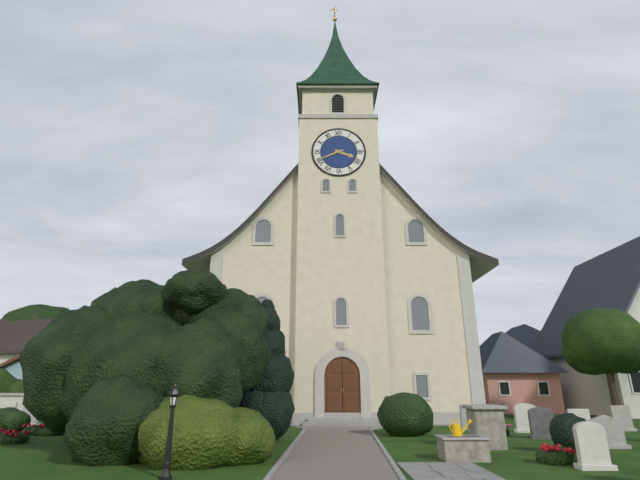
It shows 3 h 41 min
